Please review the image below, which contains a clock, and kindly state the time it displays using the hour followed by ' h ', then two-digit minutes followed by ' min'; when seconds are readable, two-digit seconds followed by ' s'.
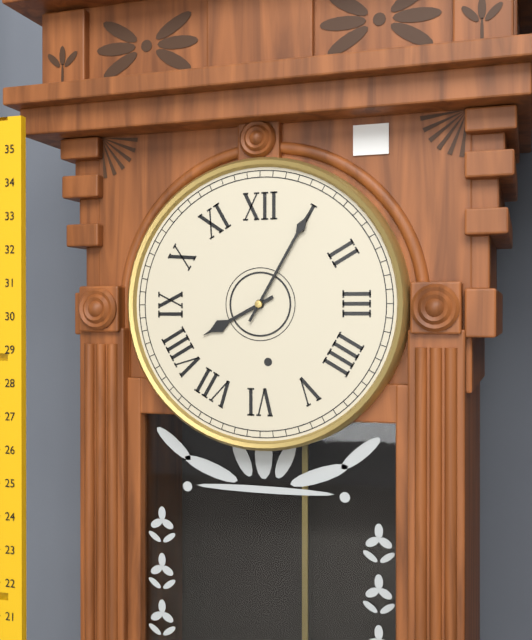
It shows 8 h 05 min
